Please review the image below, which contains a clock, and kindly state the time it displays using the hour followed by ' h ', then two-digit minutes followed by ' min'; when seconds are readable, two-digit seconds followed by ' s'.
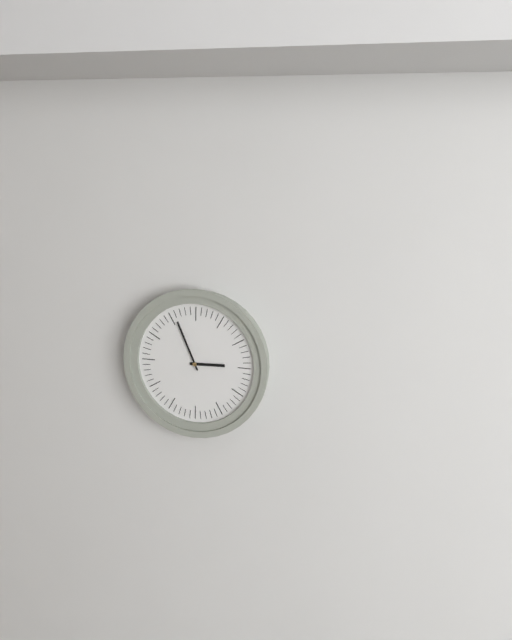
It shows 2 h 56 min
